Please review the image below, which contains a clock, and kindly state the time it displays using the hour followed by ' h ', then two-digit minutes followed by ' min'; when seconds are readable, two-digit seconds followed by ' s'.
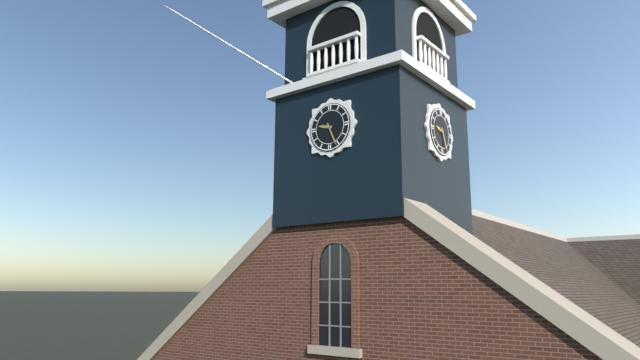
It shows 9 h 26 min
